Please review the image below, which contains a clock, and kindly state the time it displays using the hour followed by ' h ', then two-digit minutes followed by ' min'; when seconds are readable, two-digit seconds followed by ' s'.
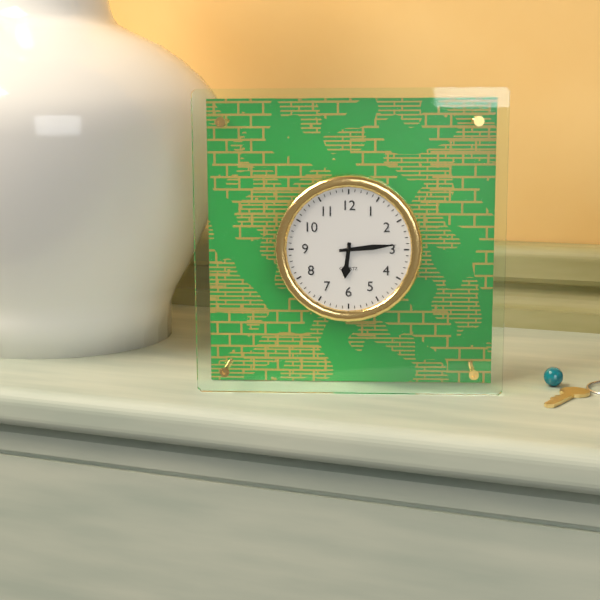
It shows 6 h 14 min
